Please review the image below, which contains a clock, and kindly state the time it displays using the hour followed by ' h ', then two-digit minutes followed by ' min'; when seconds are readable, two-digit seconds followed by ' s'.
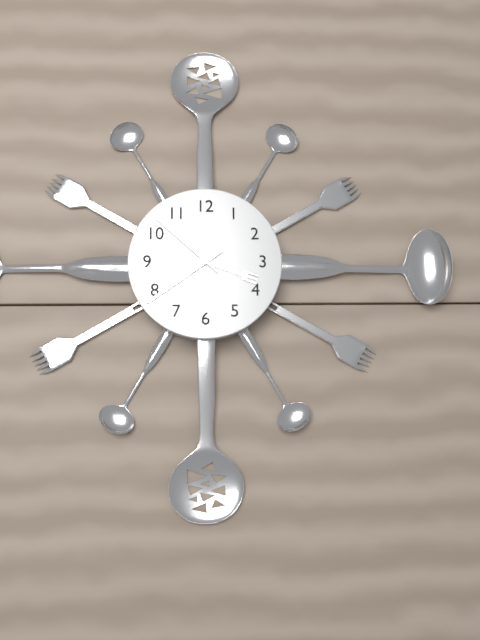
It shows 3 h 39 min 52 s
